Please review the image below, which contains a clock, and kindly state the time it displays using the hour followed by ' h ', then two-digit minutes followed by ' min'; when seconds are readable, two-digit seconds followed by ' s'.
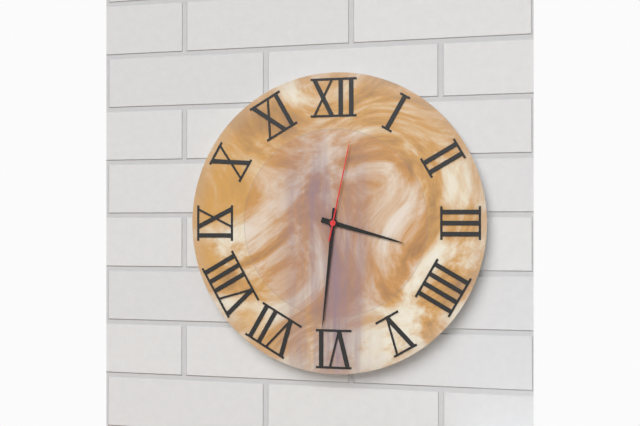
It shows 3 h 31 min 02 s
